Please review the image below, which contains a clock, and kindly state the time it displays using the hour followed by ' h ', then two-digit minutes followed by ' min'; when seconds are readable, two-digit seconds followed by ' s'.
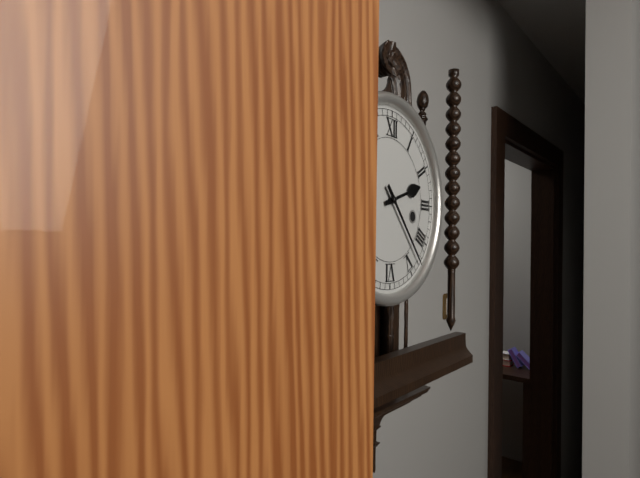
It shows 2 h 23 min
